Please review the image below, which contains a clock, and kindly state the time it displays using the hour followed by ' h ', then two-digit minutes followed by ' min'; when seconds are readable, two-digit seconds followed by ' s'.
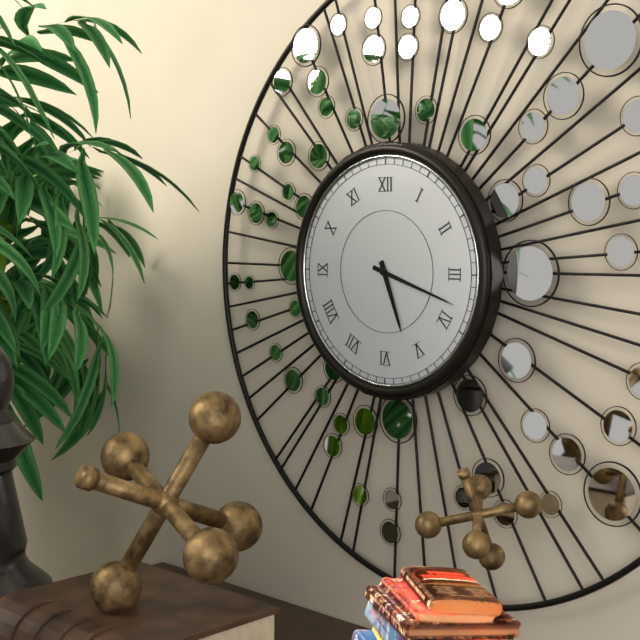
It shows 5 h 18 min
